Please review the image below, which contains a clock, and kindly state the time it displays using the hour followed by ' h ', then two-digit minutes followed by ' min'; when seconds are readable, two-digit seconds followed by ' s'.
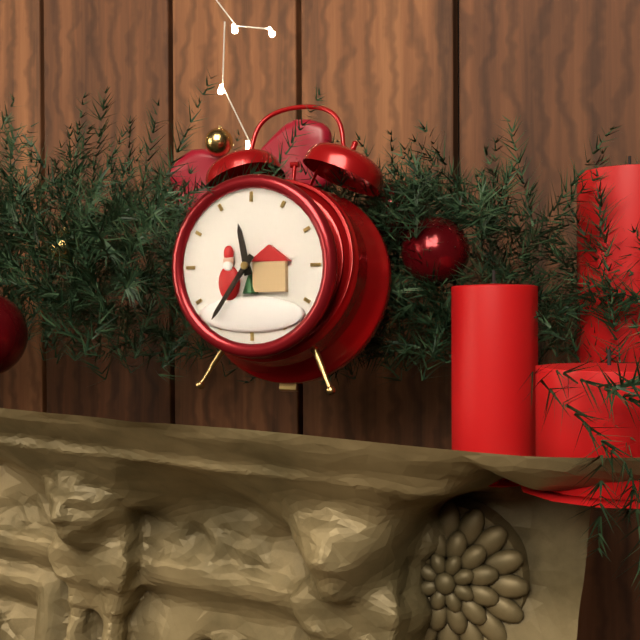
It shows 11 h 36 min
